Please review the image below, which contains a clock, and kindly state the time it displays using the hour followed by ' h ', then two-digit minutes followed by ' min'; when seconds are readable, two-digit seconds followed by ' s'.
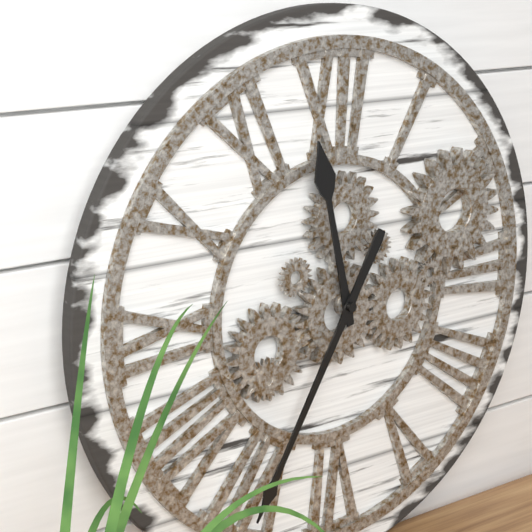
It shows 11 h 35 min
